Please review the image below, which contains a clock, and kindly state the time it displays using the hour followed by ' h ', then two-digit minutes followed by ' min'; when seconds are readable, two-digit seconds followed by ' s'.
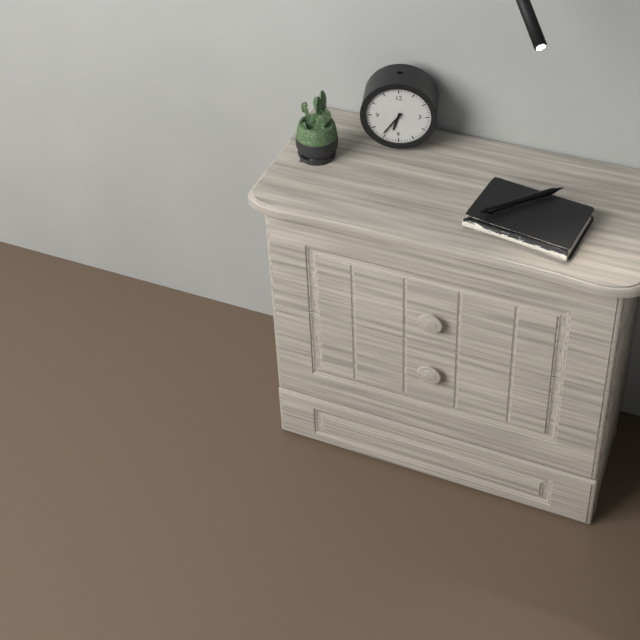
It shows 6 h 36 min
